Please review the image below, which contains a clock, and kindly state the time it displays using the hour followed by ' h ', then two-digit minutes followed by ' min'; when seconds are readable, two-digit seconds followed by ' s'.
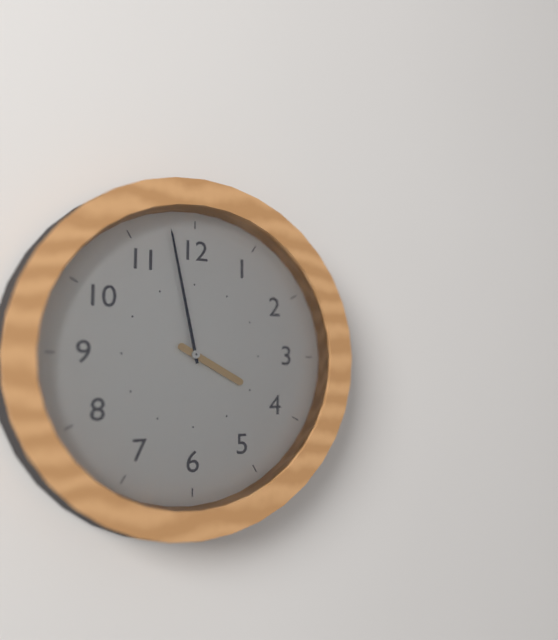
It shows 3 h 58 min
